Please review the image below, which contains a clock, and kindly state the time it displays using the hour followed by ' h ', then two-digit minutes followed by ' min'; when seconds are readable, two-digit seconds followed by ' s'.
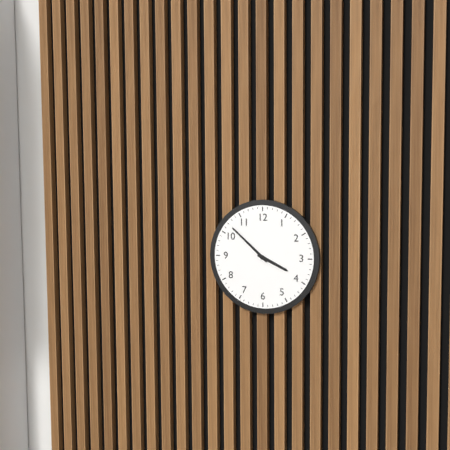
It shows 3 h 52 min
